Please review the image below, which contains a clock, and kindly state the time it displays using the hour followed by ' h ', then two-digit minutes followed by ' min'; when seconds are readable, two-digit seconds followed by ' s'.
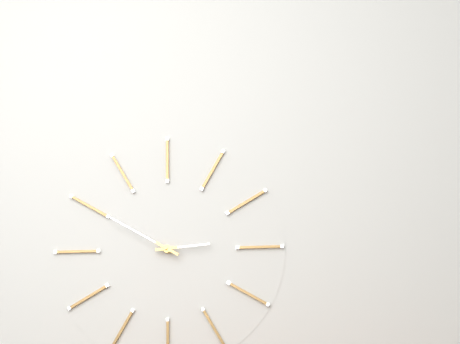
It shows 2 h 50 min
